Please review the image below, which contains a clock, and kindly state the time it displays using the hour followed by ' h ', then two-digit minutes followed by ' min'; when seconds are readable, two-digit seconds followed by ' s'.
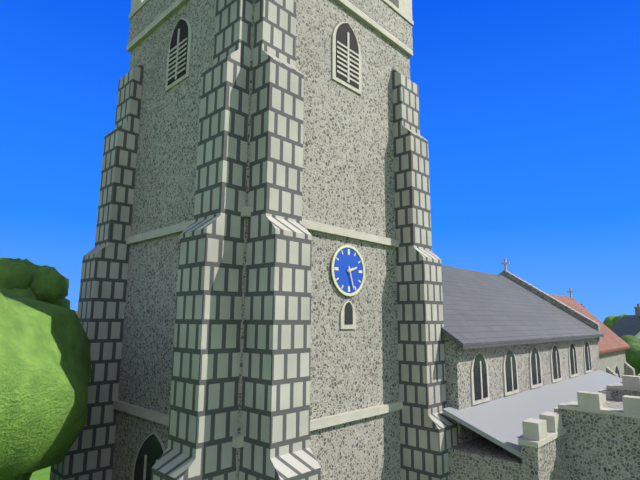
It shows 2 h 27 min
